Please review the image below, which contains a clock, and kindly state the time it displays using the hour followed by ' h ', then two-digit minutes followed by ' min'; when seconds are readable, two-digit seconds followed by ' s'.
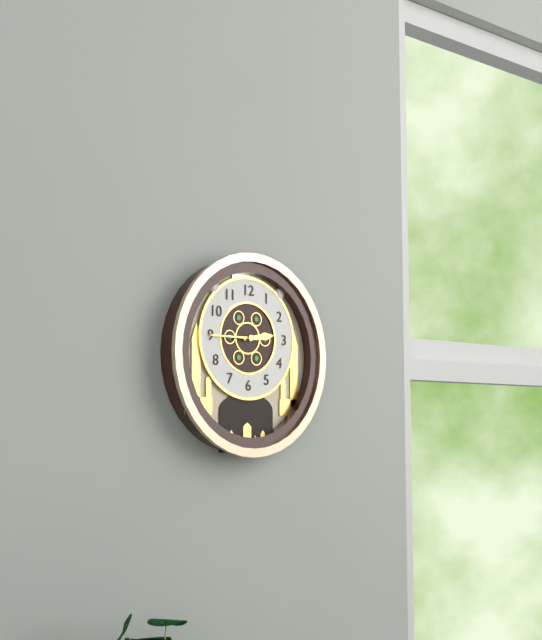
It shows 2 h 45 min
